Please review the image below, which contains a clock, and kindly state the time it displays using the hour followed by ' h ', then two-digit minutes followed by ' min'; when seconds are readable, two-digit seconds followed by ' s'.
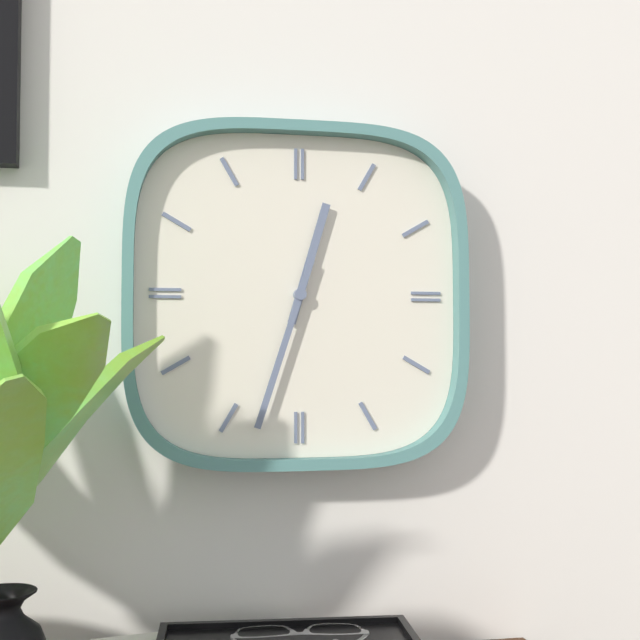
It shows 12 h 33 min
